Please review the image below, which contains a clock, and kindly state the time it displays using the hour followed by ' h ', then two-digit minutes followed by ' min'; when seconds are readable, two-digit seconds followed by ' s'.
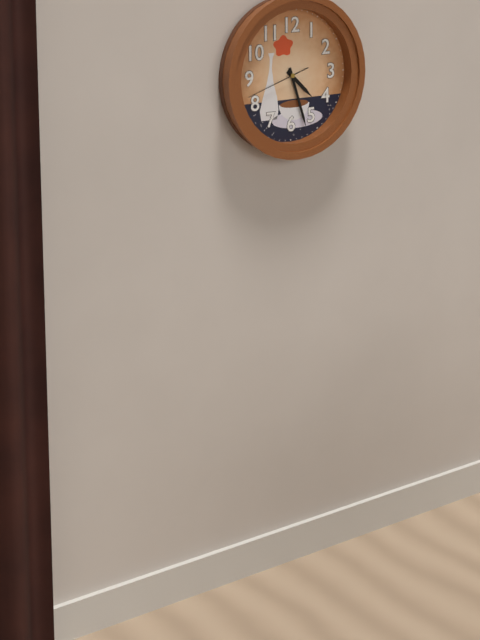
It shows 4 h 27 min 42 s
